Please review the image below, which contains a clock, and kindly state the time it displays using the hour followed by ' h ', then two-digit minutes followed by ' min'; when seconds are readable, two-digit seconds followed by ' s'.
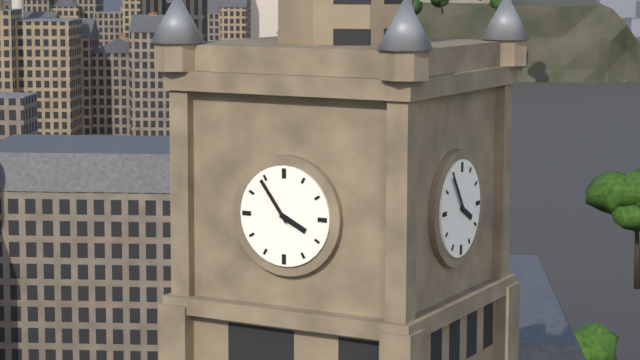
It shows 3 h 54 min
